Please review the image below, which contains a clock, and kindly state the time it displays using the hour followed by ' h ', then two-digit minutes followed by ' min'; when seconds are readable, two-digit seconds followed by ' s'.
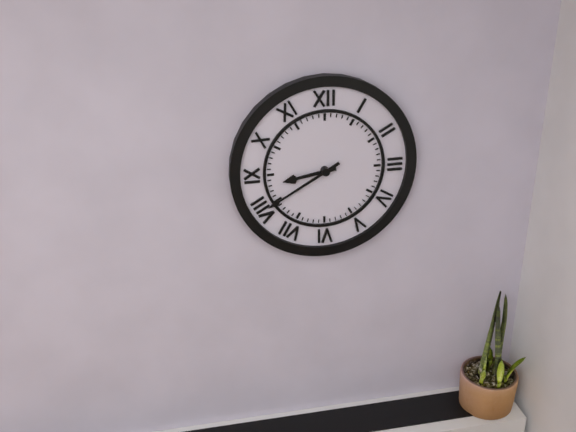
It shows 8 h 40 min
